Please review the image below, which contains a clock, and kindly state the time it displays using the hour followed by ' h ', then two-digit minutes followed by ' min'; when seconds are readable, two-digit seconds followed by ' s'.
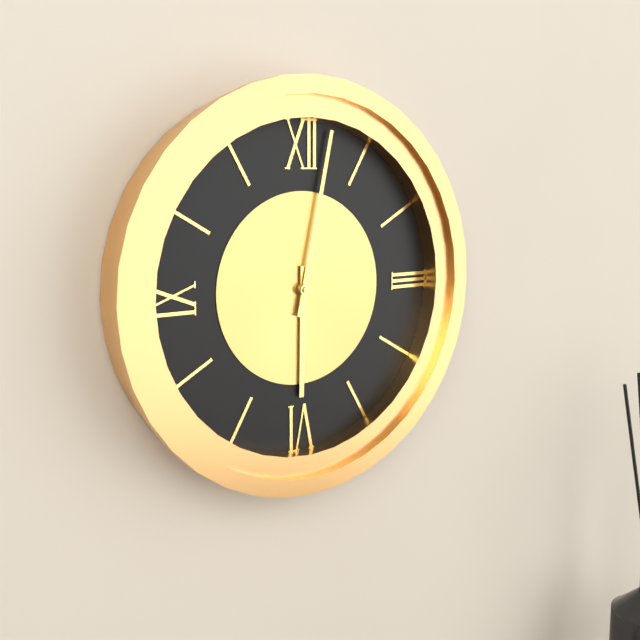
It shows 6 h 02 min
